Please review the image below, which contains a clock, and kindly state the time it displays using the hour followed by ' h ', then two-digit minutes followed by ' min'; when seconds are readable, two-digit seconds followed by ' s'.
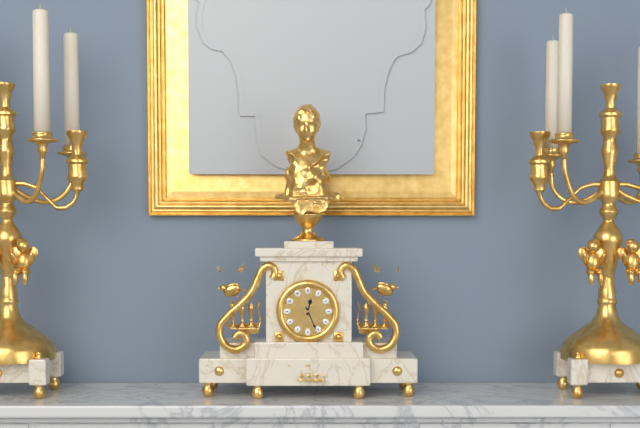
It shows 12 h 26 min
